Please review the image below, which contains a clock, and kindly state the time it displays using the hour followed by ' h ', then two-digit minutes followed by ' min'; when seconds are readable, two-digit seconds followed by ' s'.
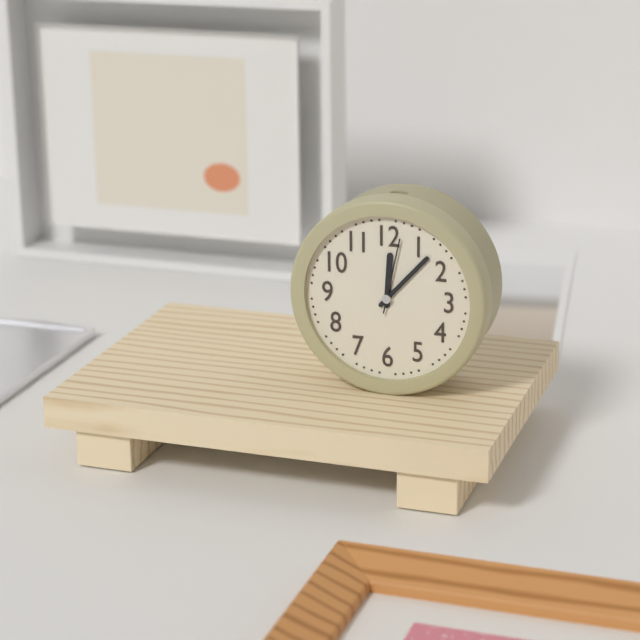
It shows 12 h 07 min 02 s
